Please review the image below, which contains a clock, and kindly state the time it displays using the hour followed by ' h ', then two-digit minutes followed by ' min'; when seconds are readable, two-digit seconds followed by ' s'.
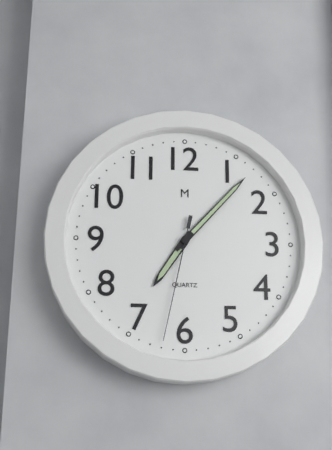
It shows 7 h 07 min 32 s
